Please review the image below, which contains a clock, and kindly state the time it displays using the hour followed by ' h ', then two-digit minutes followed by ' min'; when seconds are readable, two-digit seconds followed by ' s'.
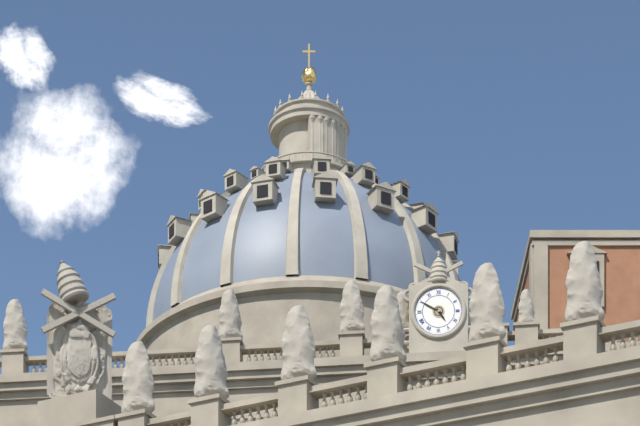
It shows 4 h 50 min
